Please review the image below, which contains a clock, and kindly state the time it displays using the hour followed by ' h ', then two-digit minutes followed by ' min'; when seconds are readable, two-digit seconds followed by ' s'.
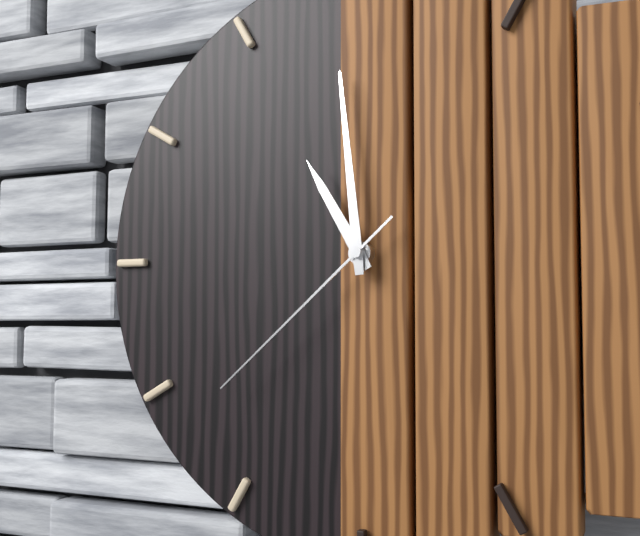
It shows 10 h 59 min 38 s
